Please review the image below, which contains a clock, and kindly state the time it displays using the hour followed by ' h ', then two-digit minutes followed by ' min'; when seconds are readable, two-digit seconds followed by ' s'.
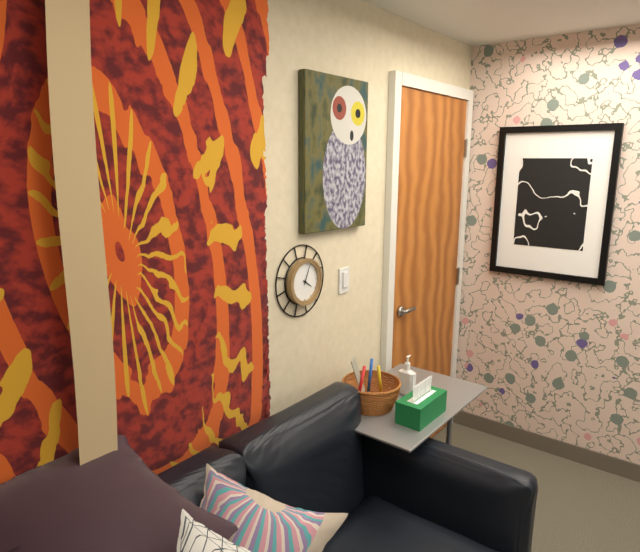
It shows 4 h 04 min
